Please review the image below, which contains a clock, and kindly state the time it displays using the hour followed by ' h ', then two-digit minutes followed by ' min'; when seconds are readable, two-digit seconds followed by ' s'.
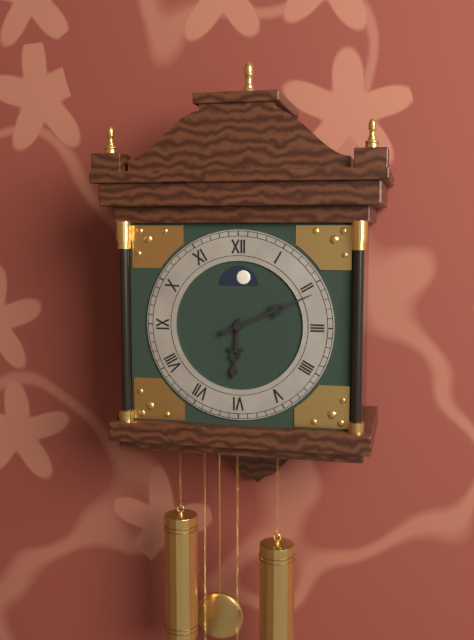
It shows 6 h 11 min
